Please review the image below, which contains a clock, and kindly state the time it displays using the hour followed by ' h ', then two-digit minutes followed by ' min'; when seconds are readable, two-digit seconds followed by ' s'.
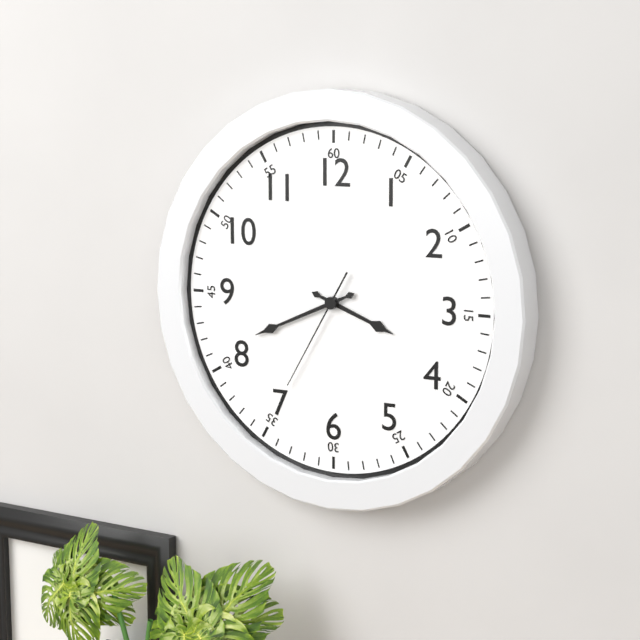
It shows 3 h 41 min 35 s
